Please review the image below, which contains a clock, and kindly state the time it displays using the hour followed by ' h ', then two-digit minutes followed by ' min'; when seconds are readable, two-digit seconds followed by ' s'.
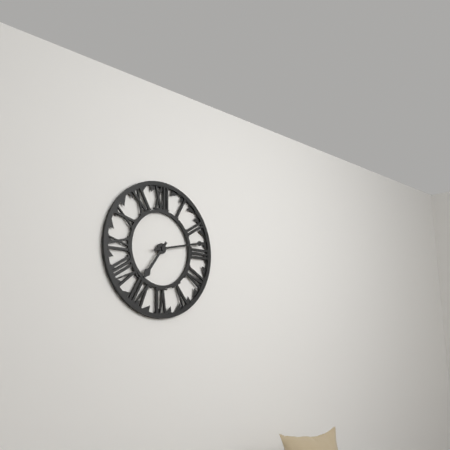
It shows 7 h 13 min
